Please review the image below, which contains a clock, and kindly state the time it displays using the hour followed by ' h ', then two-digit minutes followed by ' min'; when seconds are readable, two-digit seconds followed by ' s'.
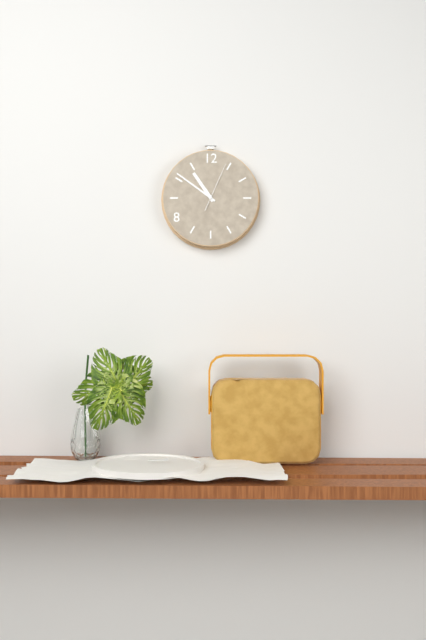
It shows 10 h 51 min
